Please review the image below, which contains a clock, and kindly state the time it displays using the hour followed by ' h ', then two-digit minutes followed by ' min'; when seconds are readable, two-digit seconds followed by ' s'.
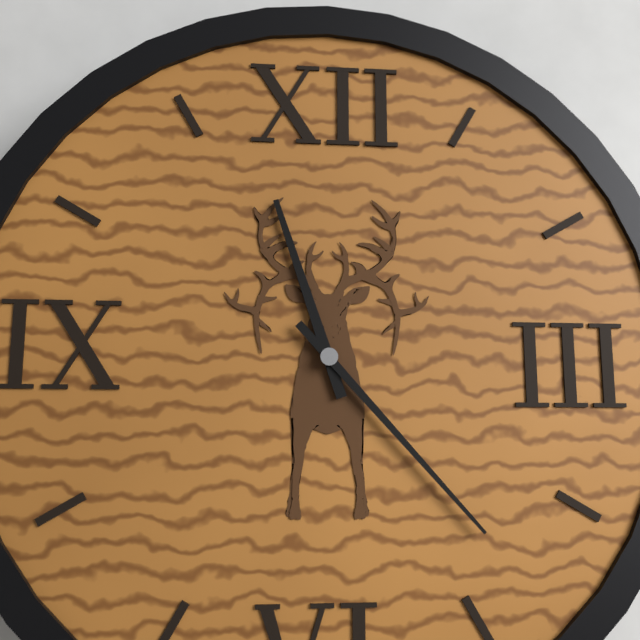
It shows 11 h 23 min
